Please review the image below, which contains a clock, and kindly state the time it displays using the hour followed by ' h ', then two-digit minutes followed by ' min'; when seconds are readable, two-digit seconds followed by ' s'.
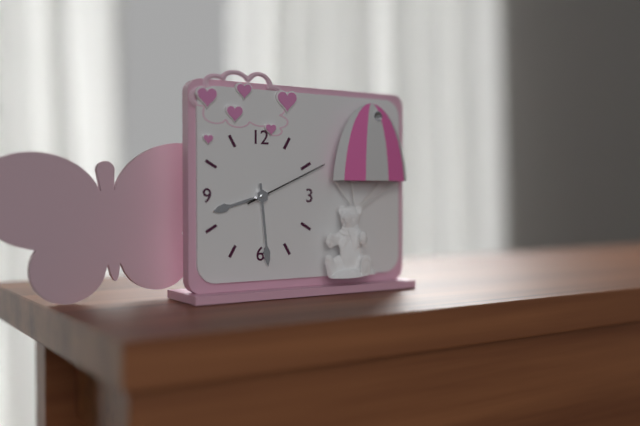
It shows 8 h 29 min 11 s
